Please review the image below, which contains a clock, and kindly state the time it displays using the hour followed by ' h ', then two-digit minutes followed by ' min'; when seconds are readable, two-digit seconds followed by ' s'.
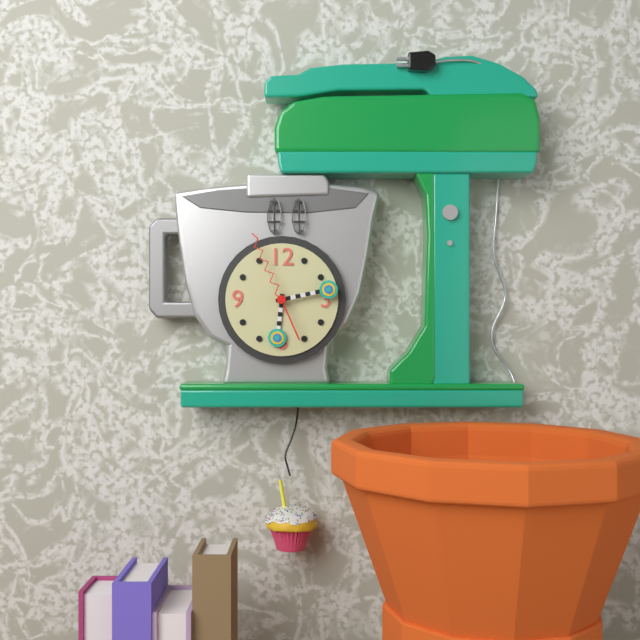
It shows 6 h 13 min 56 s
